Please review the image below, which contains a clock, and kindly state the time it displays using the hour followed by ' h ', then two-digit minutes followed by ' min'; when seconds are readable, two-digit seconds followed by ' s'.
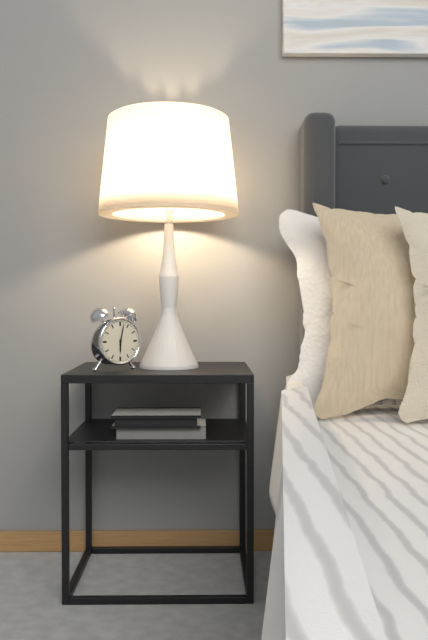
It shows 6 h 02 min
